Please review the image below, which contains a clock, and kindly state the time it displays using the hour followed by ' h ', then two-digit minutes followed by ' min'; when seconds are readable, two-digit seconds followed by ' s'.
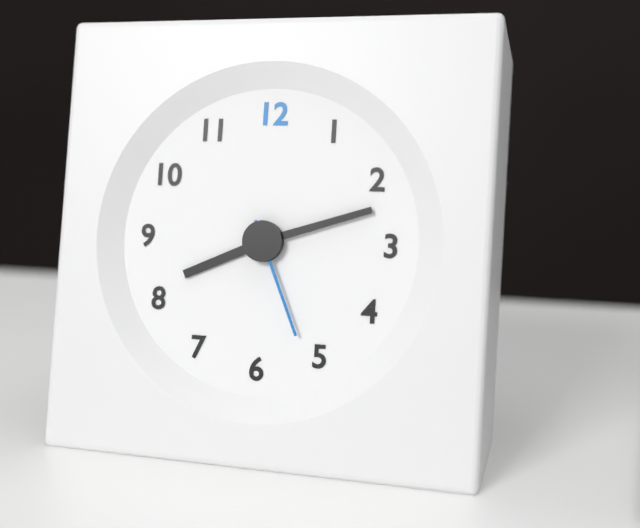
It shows 8 h 12 min 26 s
